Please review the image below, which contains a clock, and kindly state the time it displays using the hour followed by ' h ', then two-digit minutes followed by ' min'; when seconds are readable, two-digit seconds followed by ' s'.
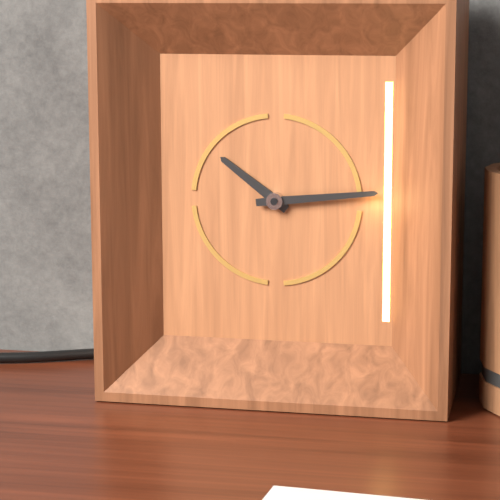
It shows 10 h 14 min
